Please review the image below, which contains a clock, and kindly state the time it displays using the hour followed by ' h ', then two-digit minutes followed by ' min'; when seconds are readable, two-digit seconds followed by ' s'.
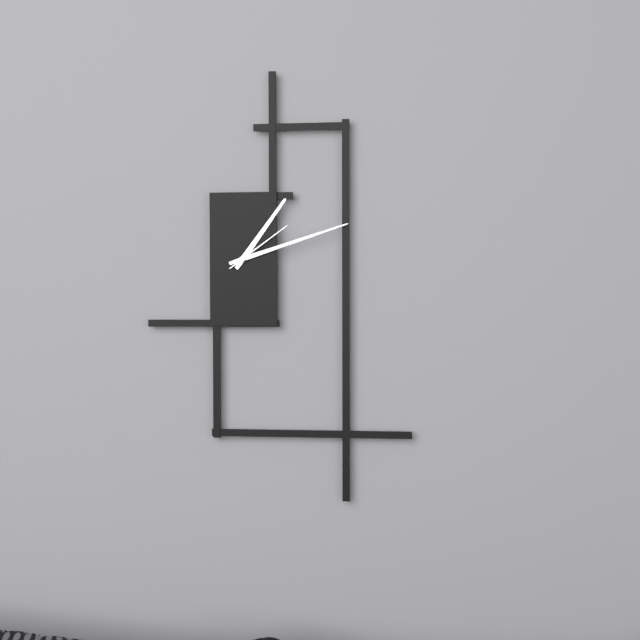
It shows 1 h 12 min 09 s
